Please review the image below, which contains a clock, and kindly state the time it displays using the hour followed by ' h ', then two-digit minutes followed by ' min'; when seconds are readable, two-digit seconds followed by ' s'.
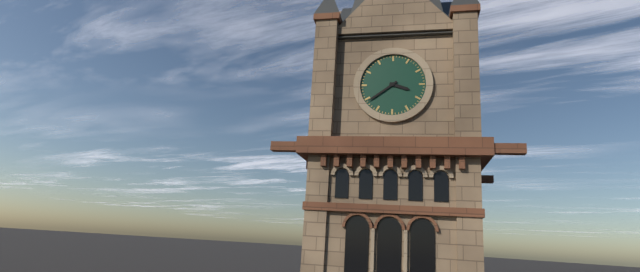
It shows 3 h 39 min
